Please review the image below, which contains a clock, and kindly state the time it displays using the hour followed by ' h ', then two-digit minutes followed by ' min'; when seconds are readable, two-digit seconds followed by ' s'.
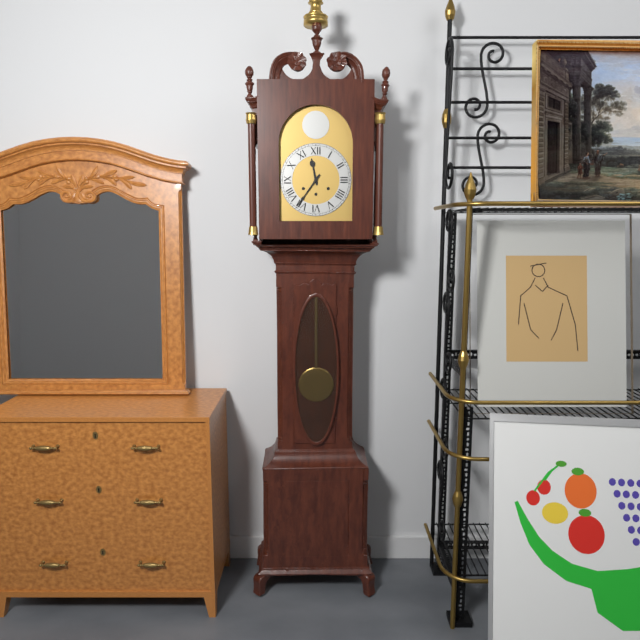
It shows 11 h 36 min
